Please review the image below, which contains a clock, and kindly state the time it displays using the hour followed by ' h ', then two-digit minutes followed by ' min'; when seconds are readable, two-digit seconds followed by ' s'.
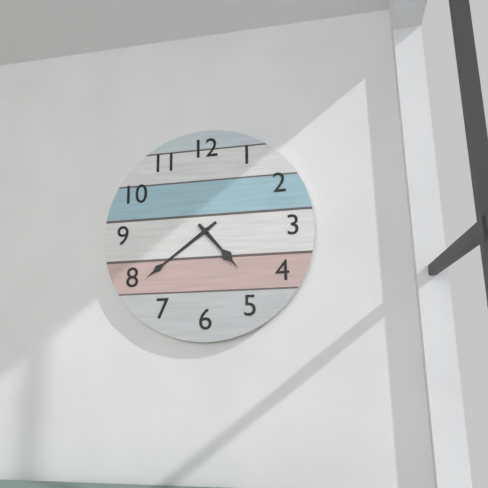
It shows 4 h 39 min
